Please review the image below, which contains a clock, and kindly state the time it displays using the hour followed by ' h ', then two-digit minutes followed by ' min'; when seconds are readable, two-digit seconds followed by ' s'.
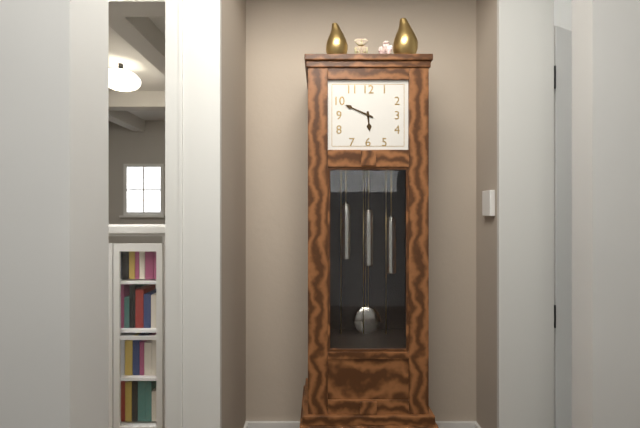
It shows 5 h 49 min
